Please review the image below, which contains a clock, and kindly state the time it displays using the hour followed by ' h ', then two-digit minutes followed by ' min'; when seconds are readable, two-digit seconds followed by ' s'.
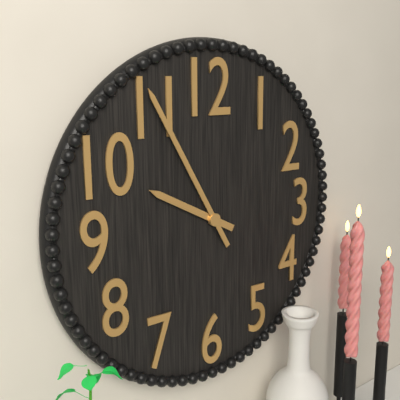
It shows 9 h 55 min
